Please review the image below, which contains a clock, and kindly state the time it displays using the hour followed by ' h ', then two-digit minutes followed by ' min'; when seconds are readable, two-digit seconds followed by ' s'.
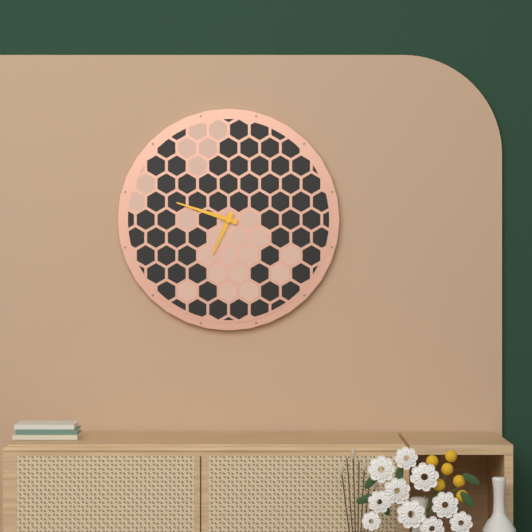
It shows 6 h 48 min
